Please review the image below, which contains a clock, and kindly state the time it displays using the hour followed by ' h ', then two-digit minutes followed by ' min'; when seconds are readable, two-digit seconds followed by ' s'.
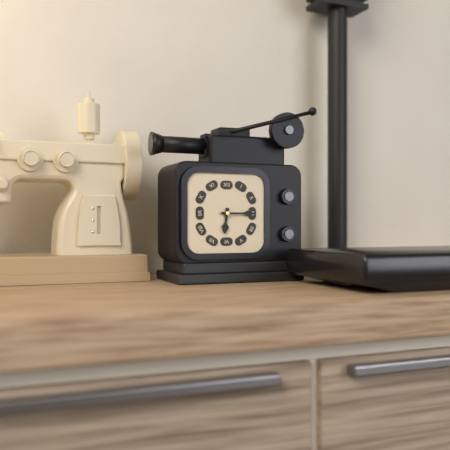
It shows 6 h 15 min
